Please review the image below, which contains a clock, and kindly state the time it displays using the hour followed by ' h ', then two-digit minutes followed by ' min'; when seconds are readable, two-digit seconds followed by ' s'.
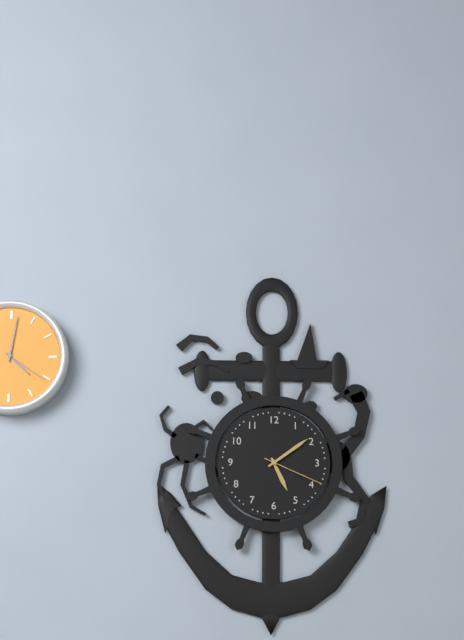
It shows 5 h 09 min 19 s
